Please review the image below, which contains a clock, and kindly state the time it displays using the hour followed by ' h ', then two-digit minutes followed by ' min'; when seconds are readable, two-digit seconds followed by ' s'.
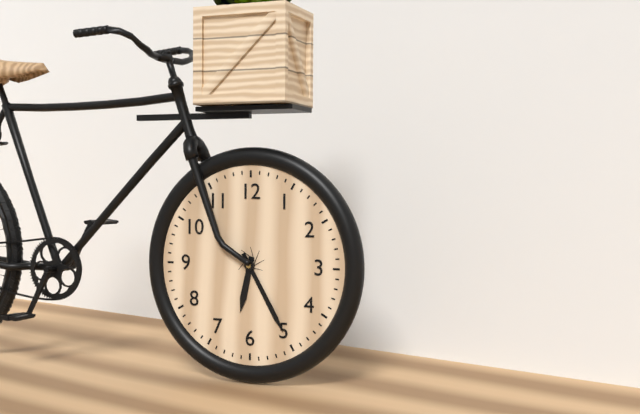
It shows 6 h 25 min
